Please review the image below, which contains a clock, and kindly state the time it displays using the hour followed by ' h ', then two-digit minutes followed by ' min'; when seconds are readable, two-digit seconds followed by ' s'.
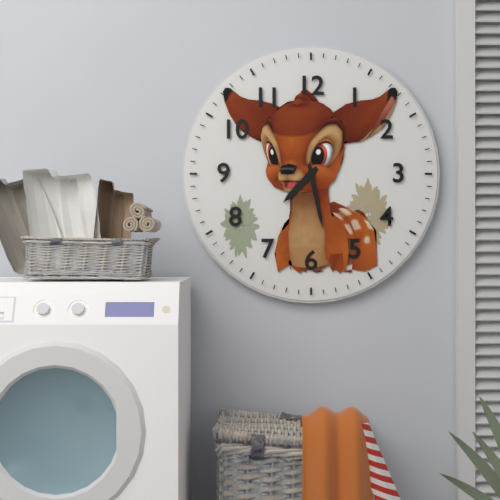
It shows 7 h 28 min
